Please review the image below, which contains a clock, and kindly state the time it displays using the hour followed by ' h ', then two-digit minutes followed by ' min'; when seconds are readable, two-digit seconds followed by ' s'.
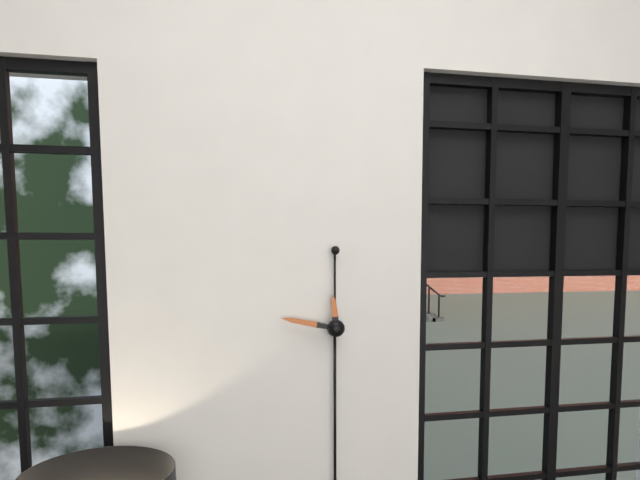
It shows 11 h 47 min
